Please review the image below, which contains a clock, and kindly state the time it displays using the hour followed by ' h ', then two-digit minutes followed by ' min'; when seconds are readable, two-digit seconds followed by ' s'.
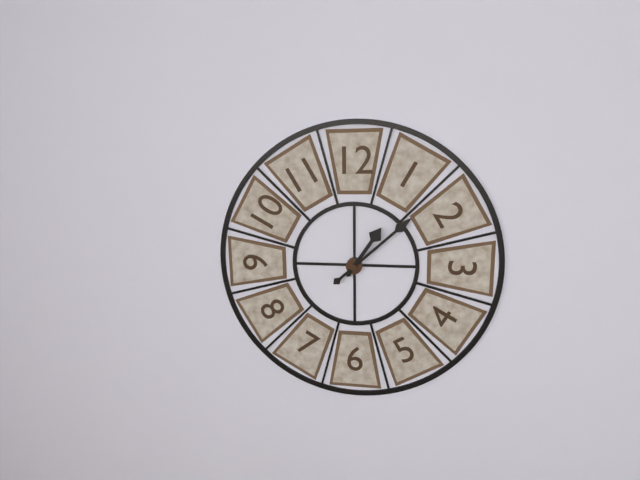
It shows 1 h 08 min
